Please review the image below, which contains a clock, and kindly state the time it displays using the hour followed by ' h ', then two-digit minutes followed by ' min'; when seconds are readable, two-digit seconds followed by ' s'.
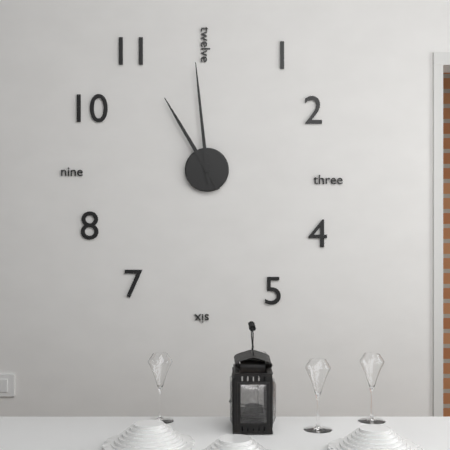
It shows 10 h 59 min
